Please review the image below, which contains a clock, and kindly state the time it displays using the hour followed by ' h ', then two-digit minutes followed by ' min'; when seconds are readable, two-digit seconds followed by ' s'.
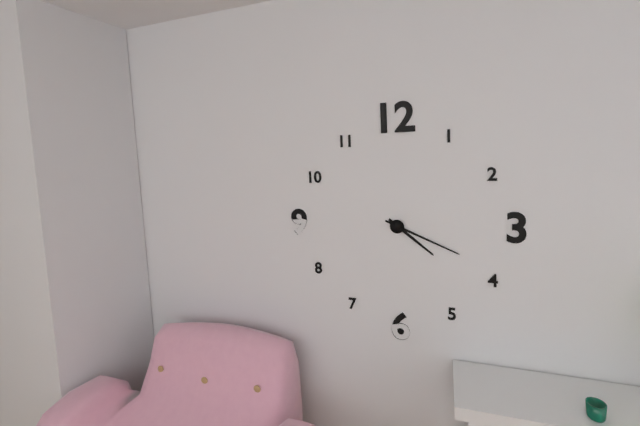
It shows 4 h 19 min
